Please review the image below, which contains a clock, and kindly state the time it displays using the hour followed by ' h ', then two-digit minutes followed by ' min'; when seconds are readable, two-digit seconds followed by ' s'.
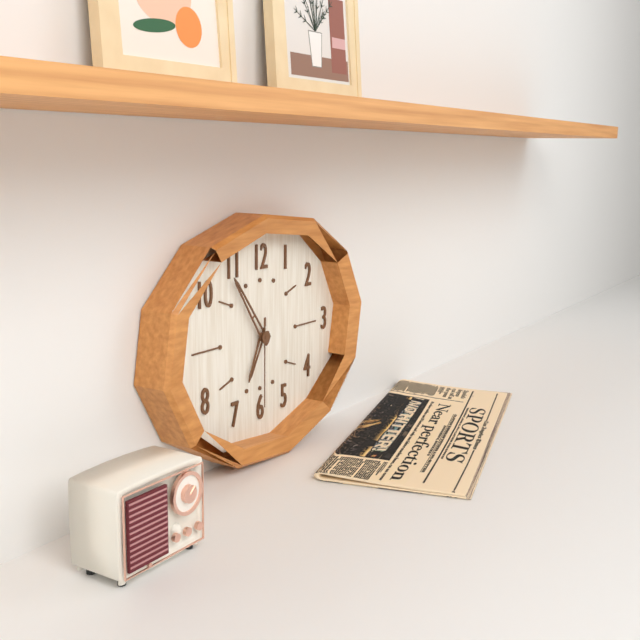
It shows 6 h 54 min 30 s
